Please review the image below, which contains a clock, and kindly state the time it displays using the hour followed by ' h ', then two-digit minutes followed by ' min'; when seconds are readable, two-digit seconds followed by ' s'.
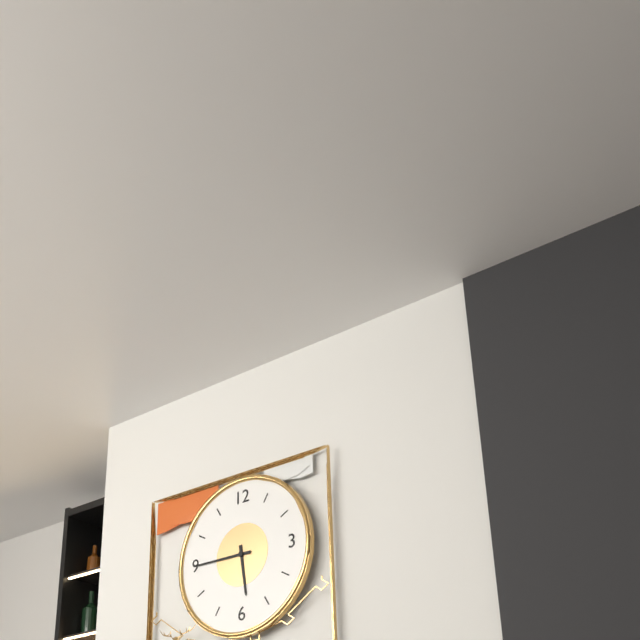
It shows 5 h 45 min
